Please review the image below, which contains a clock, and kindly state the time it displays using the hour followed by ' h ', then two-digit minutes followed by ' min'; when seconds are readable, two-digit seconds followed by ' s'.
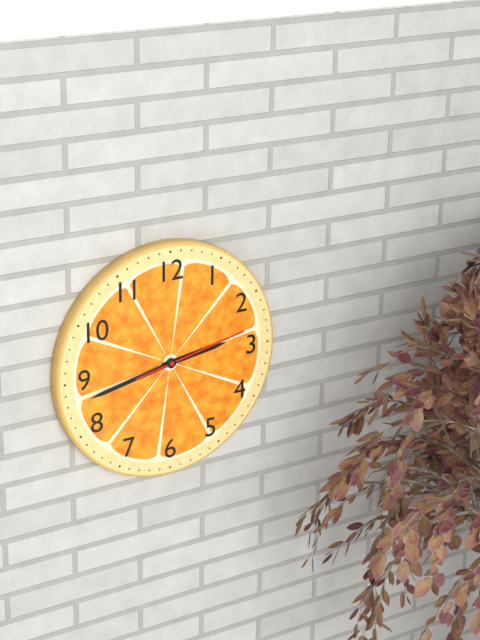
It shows 2 h 43 min 13 s
